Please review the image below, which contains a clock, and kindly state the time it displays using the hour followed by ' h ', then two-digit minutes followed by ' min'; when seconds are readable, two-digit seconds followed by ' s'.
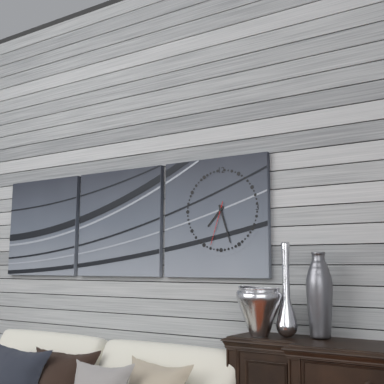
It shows 7 h 27 min
